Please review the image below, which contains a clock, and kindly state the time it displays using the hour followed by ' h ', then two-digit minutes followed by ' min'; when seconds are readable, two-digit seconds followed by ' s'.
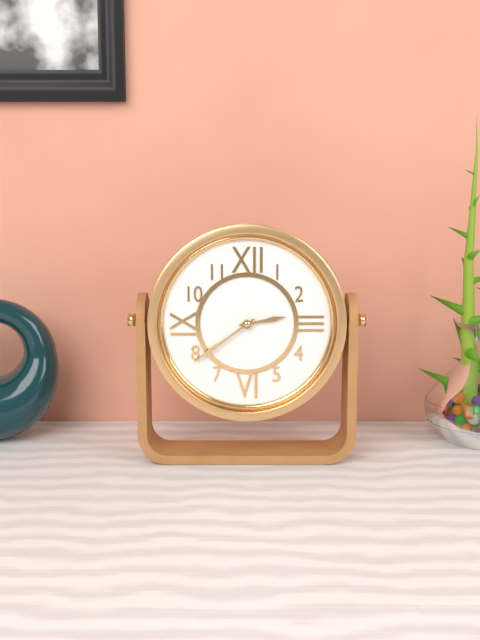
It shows 2 h 39 min
